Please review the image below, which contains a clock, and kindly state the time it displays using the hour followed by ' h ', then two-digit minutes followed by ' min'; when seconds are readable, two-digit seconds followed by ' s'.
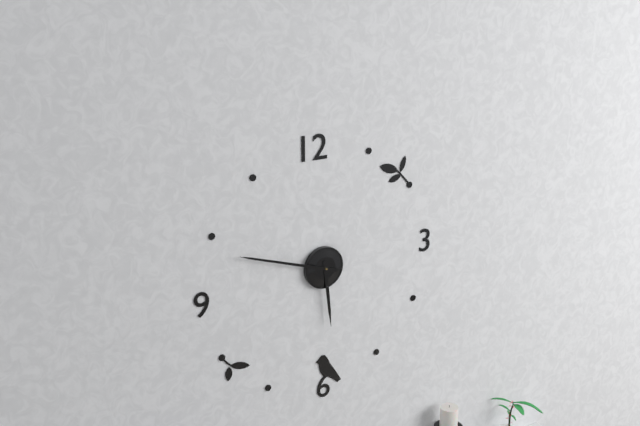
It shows 5 h 48 min
